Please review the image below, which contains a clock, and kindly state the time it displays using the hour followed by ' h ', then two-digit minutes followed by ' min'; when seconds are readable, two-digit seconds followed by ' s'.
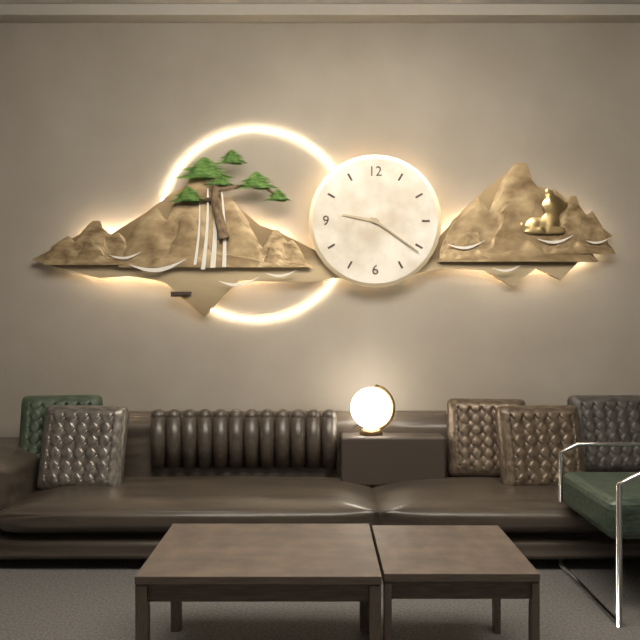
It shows 9 h 21 min
